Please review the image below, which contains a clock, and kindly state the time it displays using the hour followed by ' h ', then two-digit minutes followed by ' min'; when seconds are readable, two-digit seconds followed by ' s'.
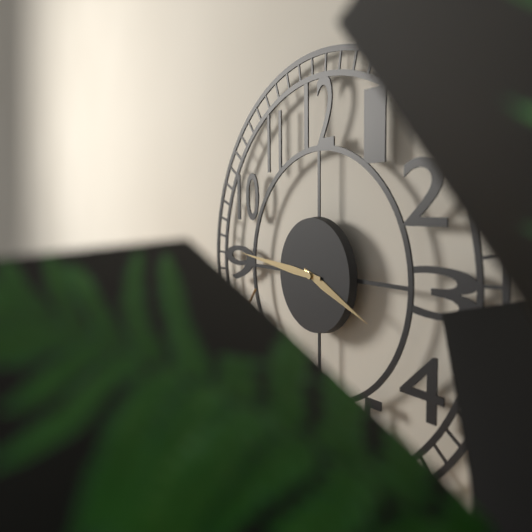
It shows 3 h 46 min
